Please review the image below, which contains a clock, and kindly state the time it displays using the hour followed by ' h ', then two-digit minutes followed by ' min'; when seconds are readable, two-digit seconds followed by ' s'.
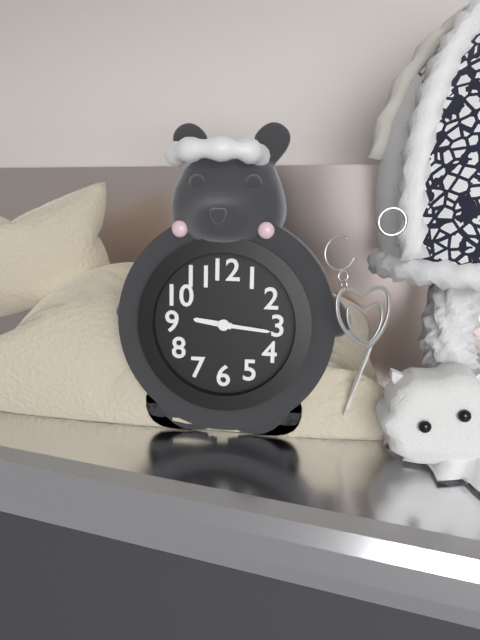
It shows 9 h 16 min
